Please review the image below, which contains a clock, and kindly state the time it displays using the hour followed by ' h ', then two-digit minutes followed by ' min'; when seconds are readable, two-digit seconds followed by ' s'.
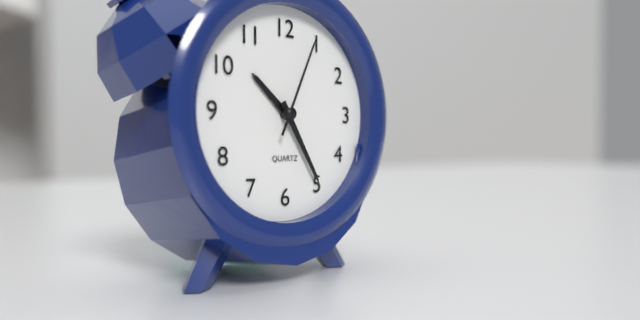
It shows 10 h 25 min 04 s
